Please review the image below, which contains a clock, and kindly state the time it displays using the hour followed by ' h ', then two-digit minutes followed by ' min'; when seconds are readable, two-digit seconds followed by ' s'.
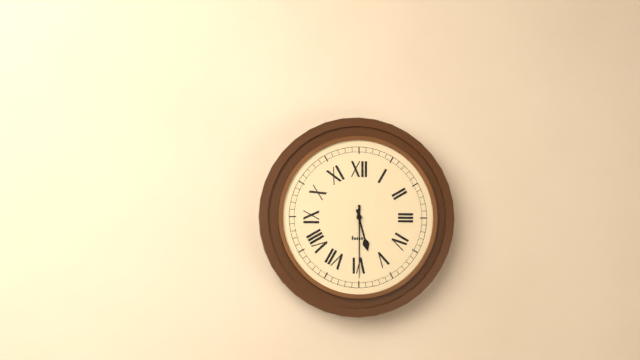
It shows 5 h 30 min
